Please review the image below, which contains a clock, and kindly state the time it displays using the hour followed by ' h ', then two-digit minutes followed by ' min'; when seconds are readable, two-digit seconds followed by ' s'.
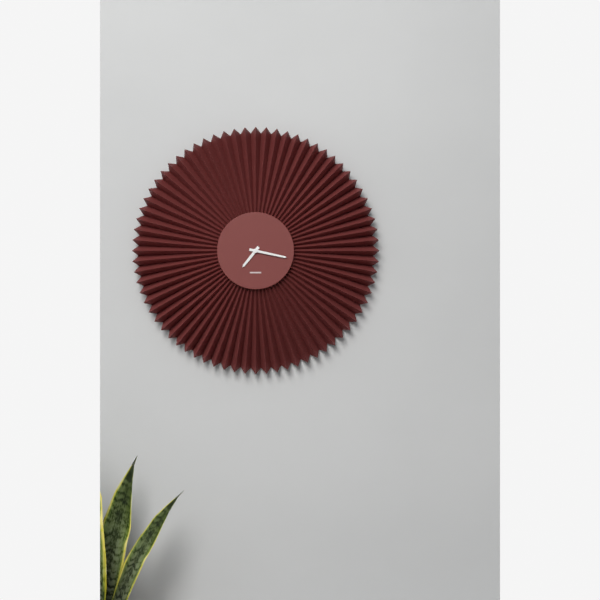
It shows 7 h 17 min
